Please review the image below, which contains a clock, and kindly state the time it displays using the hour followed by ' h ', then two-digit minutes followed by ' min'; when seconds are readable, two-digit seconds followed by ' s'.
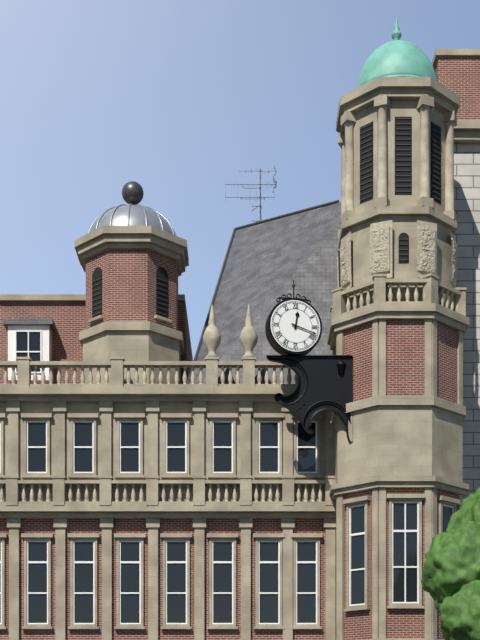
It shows 12 h 18 min
